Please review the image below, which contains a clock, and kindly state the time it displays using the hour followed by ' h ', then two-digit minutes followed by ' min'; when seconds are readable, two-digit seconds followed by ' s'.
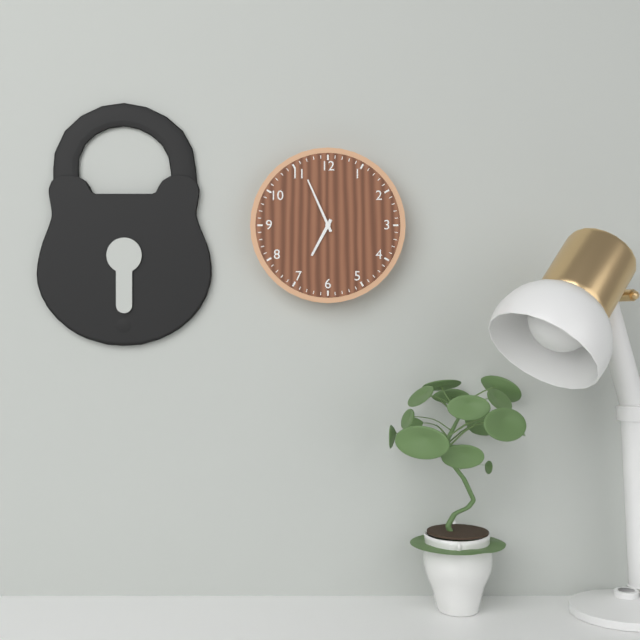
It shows 6 h 56 min
